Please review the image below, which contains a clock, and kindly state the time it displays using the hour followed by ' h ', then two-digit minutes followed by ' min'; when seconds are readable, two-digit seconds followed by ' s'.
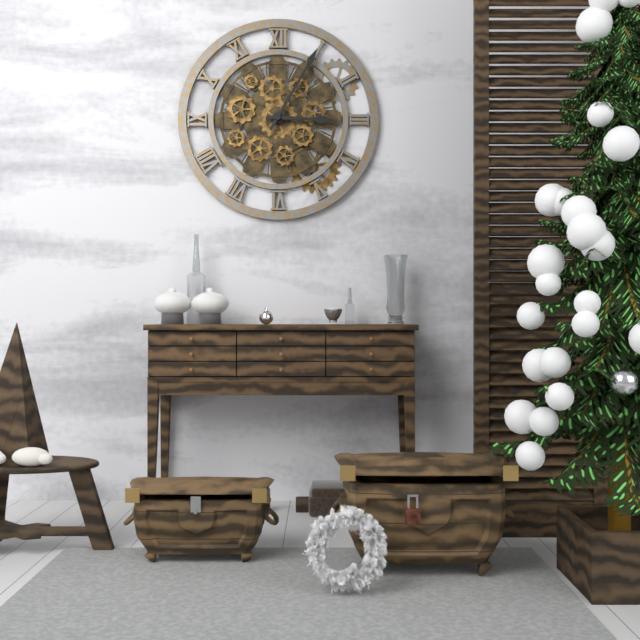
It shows 3 h 05 min
